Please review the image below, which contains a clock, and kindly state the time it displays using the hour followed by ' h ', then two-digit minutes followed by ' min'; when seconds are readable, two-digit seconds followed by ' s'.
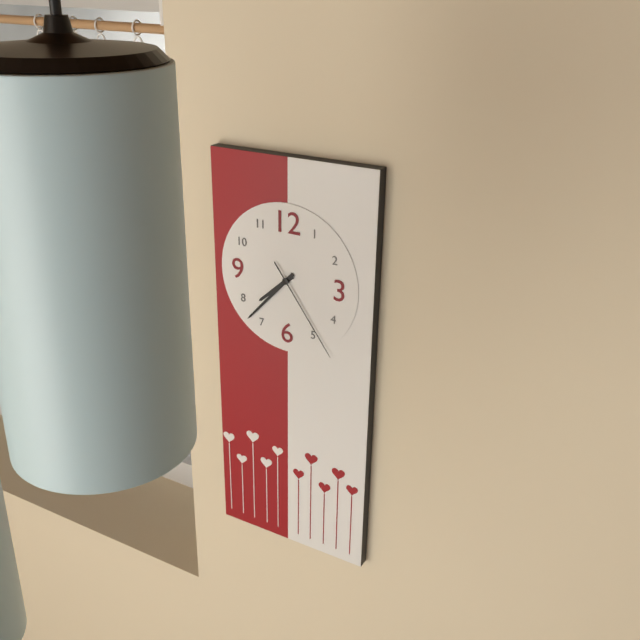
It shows 7 h 37 min 24 s
